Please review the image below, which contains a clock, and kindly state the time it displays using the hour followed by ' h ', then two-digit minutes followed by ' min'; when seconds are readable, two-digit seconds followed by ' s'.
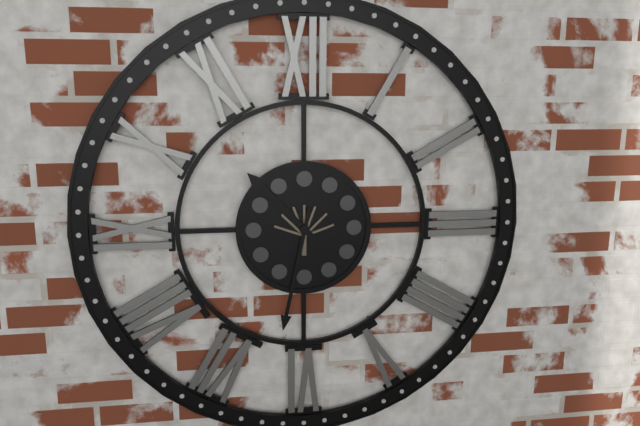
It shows 10 h 32 min
